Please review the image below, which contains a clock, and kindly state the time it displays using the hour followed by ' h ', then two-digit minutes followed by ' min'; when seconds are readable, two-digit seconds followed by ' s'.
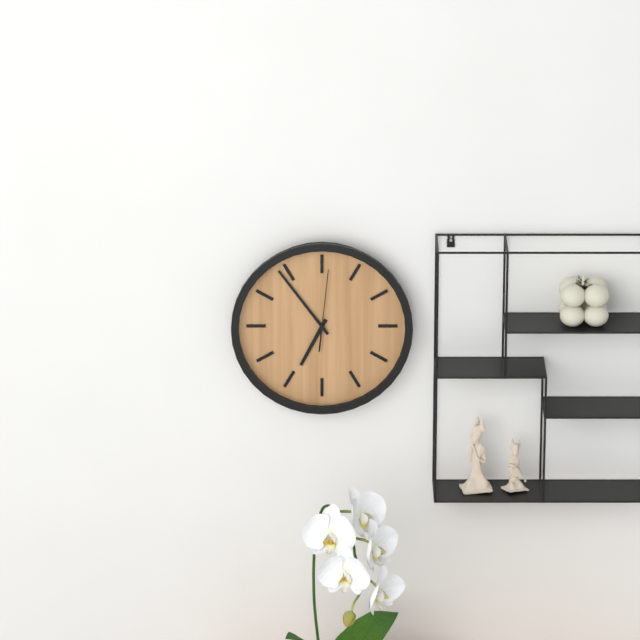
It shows 6 h 54 min 01 s
